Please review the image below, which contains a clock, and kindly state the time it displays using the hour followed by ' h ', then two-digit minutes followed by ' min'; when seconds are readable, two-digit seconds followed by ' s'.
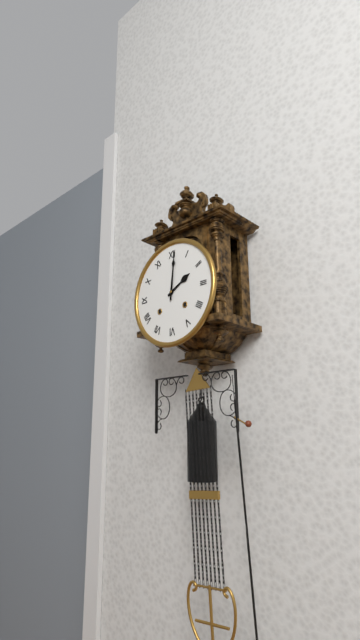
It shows 2 h 01 min
